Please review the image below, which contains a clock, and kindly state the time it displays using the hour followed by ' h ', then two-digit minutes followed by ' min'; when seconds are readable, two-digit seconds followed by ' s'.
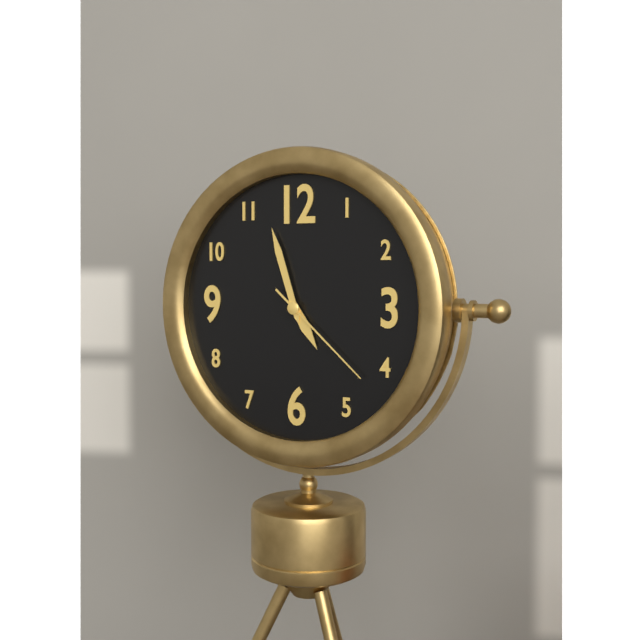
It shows 4 h 57 min 22 s
